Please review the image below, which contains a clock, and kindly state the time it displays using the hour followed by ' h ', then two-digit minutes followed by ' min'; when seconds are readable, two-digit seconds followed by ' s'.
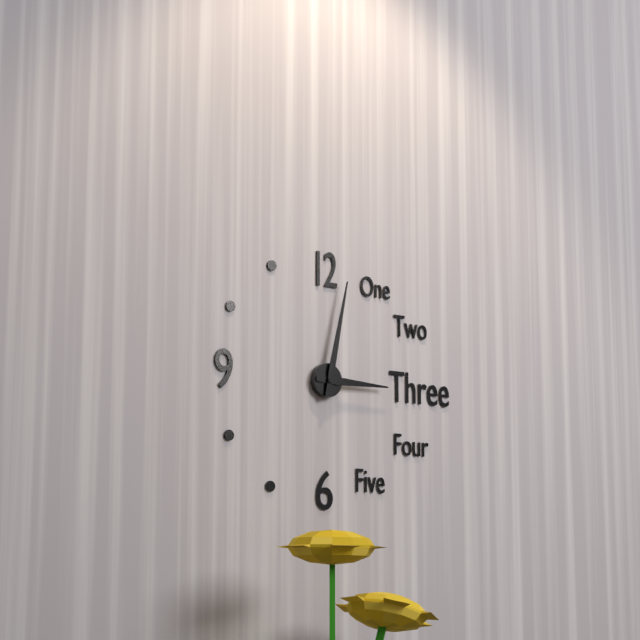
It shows 3 h 02 min
